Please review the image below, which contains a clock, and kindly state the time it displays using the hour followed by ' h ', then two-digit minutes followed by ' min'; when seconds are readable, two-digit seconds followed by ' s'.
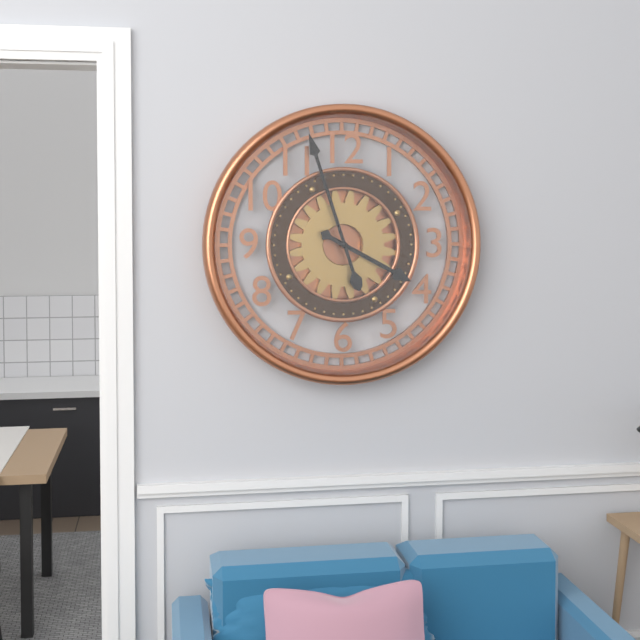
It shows 3 h 57 min
